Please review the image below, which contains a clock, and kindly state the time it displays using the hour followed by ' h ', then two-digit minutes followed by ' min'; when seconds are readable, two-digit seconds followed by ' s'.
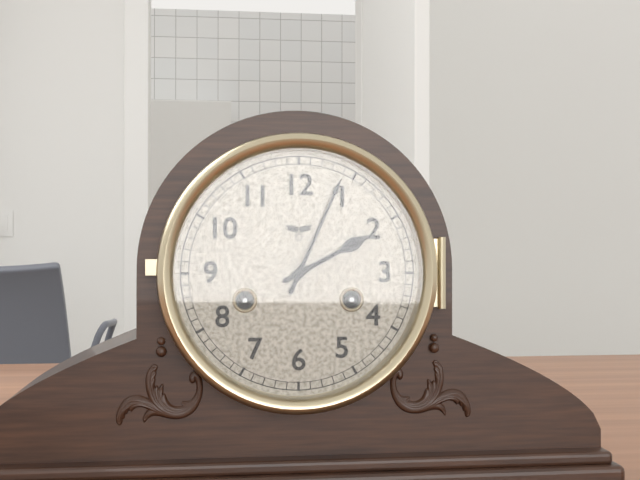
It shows 2 h 04 min
